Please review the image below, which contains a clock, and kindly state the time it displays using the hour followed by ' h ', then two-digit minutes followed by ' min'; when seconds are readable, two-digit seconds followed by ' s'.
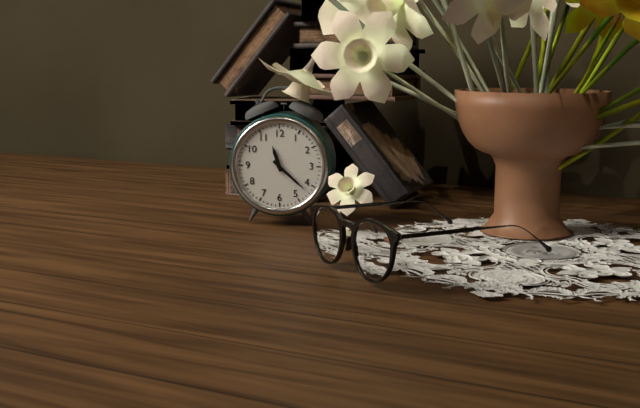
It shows 11 h 22 min
